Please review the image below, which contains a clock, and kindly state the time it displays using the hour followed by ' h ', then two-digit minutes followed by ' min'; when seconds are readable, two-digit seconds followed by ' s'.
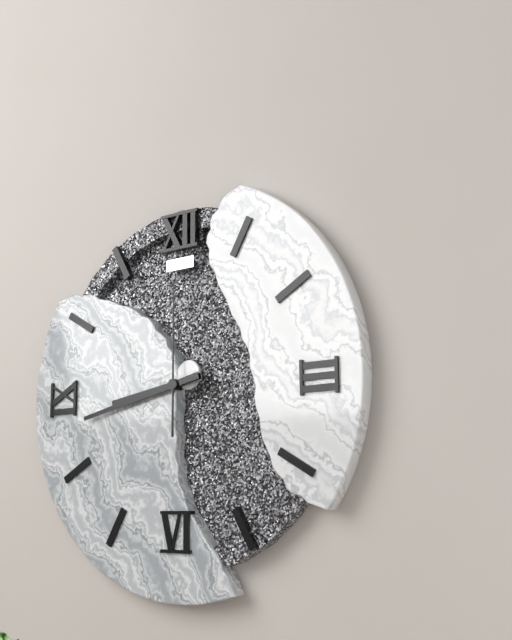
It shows 8 h 43 min 00 s
